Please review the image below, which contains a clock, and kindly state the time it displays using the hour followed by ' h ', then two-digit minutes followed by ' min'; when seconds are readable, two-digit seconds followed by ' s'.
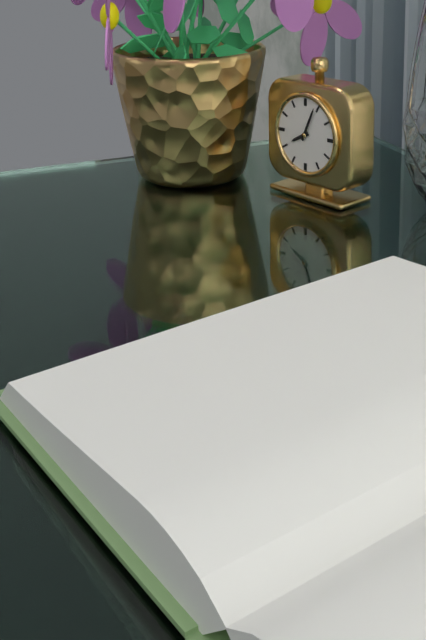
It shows 8 h 04 min
